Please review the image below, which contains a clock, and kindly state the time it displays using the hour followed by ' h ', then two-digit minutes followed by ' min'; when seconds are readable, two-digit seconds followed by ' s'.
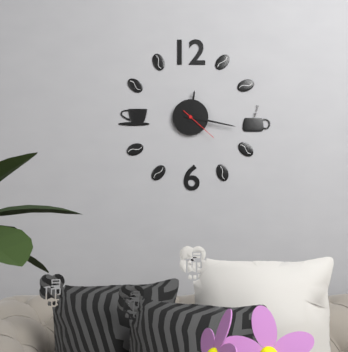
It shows 12 h 17 min
